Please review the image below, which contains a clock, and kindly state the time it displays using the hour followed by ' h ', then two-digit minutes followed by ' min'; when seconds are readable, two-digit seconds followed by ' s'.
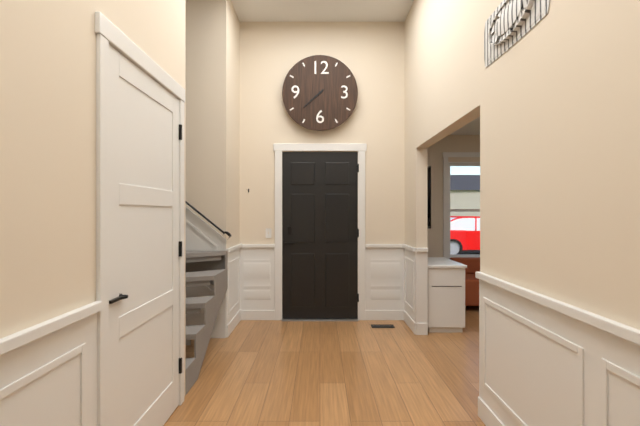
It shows 7 h 38 min
